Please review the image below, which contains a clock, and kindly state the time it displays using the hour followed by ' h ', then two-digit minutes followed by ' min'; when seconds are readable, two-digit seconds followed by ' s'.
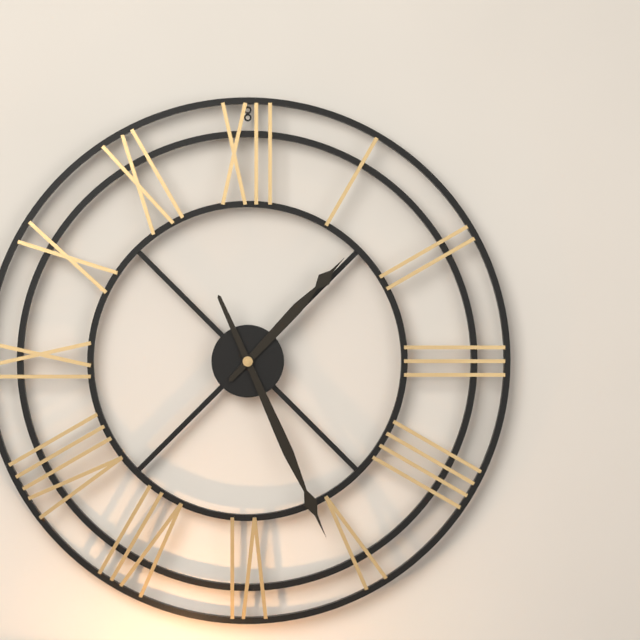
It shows 1 h 26 min
